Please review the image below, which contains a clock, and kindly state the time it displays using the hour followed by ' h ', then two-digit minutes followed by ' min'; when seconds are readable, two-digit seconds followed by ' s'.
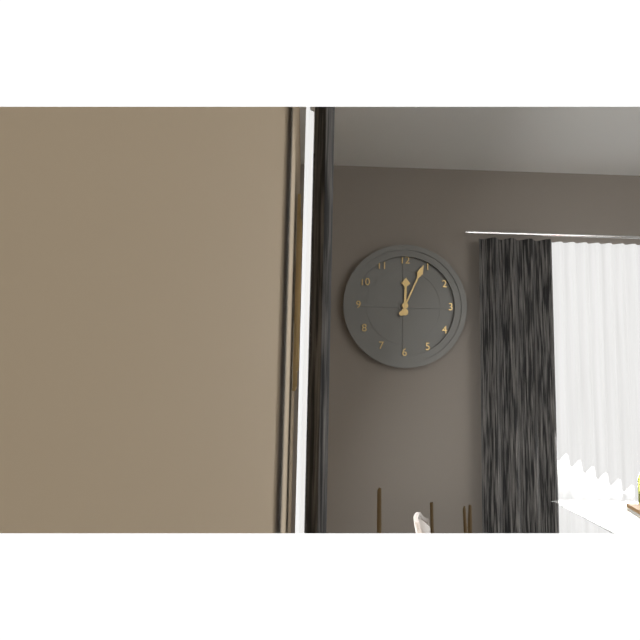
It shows 12 h 04 min
